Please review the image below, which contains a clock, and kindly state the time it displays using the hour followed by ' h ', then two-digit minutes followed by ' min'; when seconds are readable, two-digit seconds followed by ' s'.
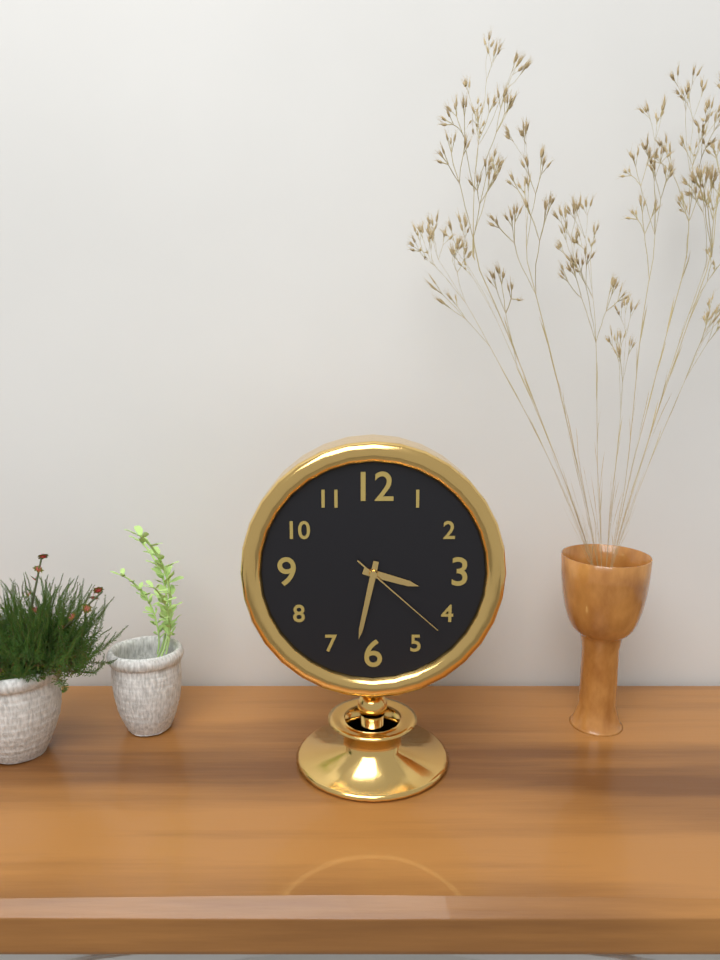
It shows 3 h 32 min 22 s
